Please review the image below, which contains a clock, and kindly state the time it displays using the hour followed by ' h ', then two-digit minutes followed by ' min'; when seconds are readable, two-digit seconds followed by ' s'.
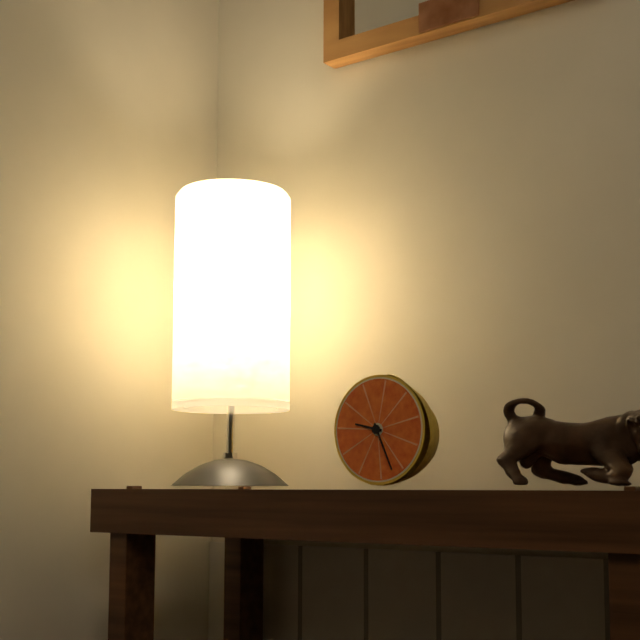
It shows 9 h 26 min
